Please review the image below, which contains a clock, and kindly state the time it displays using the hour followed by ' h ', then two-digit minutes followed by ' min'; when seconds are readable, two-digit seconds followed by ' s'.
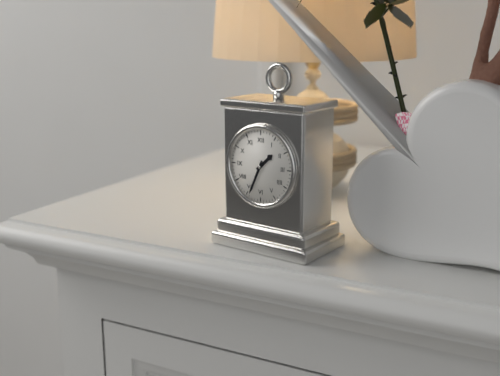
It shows 1 h 34 min
